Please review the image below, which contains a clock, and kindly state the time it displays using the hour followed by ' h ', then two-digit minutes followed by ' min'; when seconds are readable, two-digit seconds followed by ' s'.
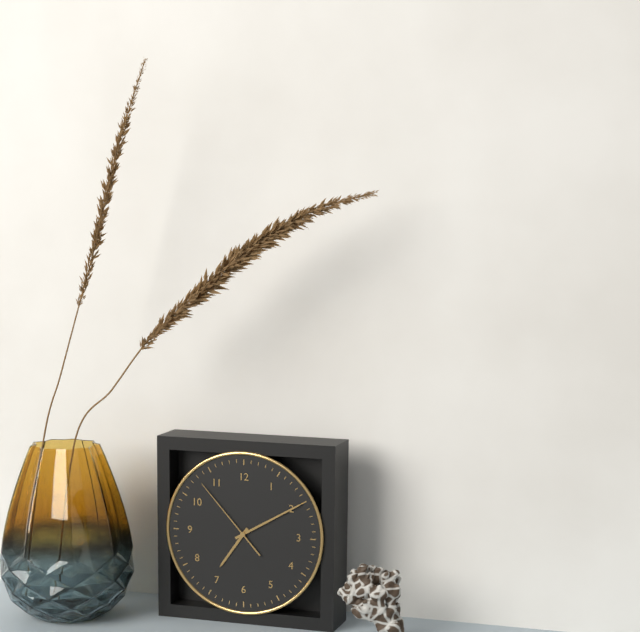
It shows 7 h 10 min 53 s
